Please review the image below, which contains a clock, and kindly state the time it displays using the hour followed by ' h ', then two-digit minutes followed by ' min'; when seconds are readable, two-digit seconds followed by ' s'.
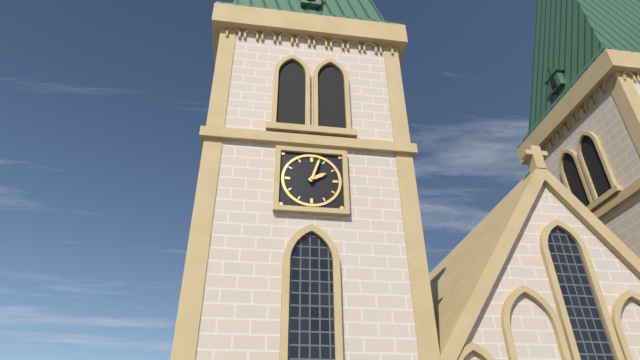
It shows 2 h 03 min
